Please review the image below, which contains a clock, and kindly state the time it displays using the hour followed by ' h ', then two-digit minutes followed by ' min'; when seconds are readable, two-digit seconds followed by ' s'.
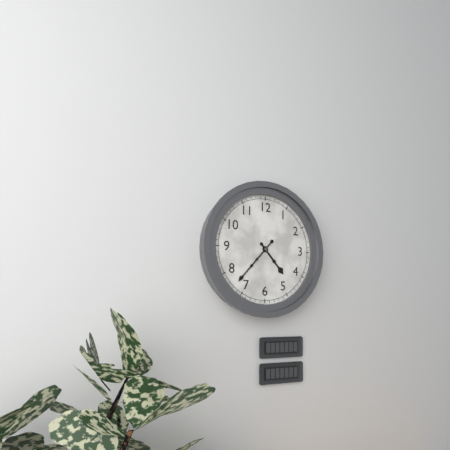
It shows 4 h 37 min
